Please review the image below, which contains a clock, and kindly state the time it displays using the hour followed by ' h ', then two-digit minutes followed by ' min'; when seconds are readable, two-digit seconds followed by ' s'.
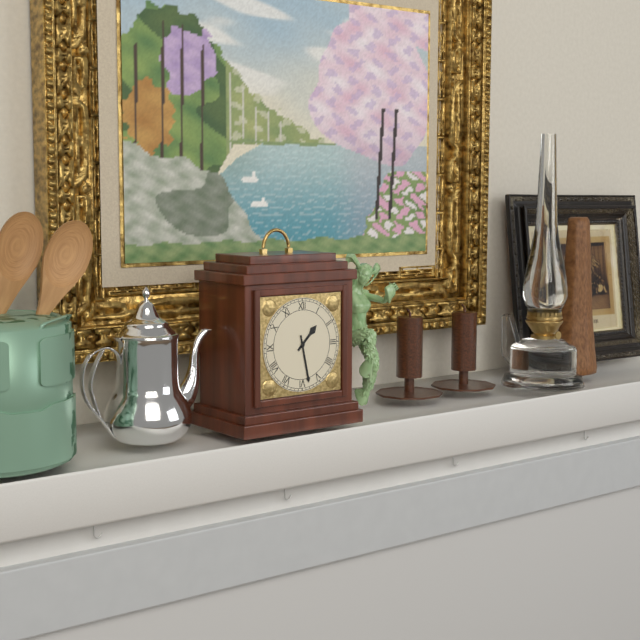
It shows 1 h 28 min
